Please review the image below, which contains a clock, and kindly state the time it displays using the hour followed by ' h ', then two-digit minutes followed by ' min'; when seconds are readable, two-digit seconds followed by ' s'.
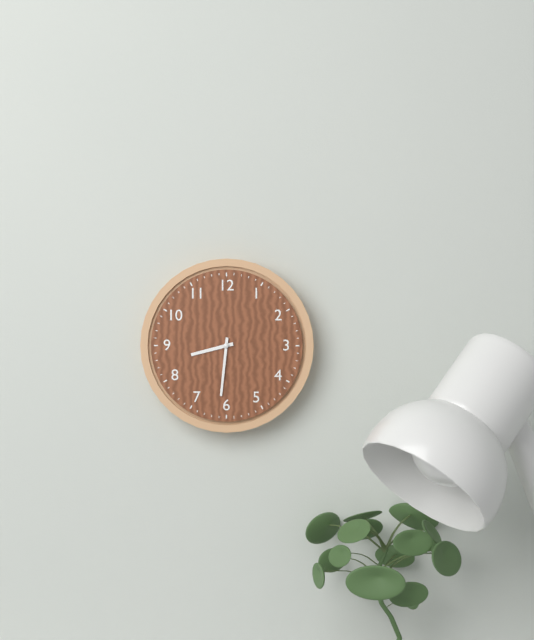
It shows 8 h 31 min
